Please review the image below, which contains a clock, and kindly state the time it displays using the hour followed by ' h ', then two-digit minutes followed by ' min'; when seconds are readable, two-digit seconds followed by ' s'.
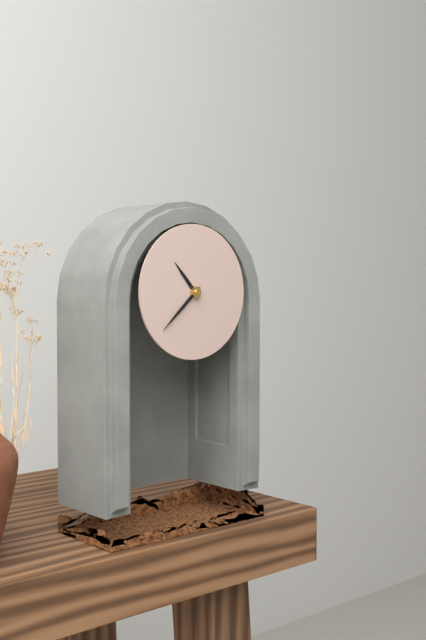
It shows 10 h 38 min
